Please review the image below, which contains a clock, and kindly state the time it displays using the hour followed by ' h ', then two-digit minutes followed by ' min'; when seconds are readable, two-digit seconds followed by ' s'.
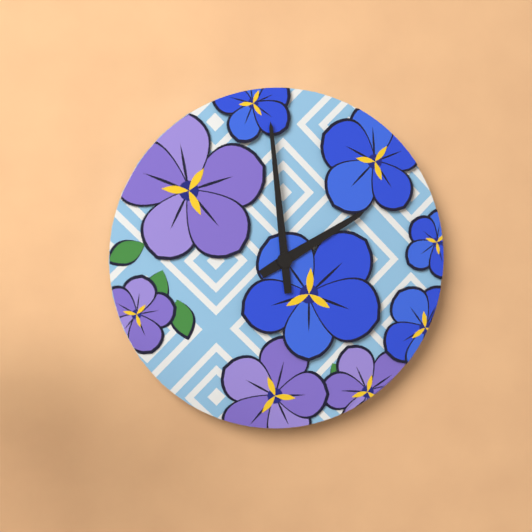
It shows 1 h 59 min
